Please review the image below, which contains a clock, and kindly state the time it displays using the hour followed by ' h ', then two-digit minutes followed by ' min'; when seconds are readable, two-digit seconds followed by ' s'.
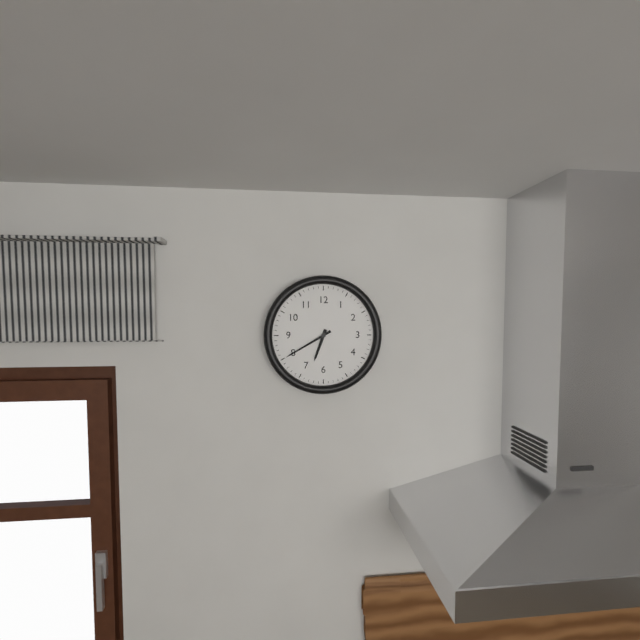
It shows 6 h 40 min
